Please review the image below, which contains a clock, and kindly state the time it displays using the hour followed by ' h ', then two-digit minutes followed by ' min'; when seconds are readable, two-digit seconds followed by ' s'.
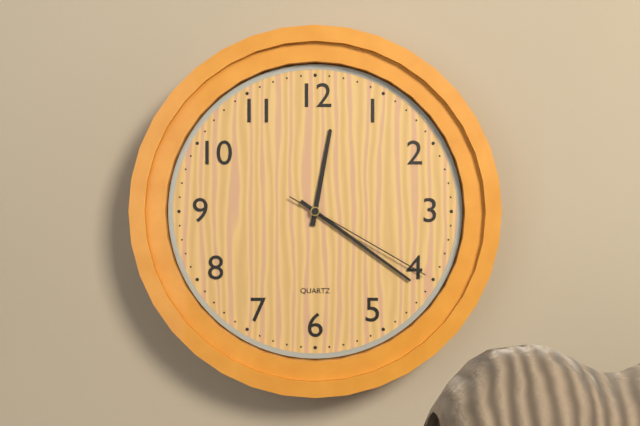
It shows 12 h 21 min 20 s
